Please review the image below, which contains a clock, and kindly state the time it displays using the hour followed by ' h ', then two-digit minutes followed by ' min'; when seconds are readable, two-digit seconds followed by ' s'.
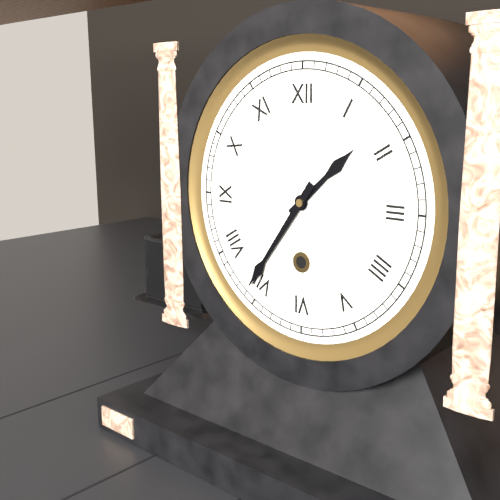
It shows 1 h 36 min
